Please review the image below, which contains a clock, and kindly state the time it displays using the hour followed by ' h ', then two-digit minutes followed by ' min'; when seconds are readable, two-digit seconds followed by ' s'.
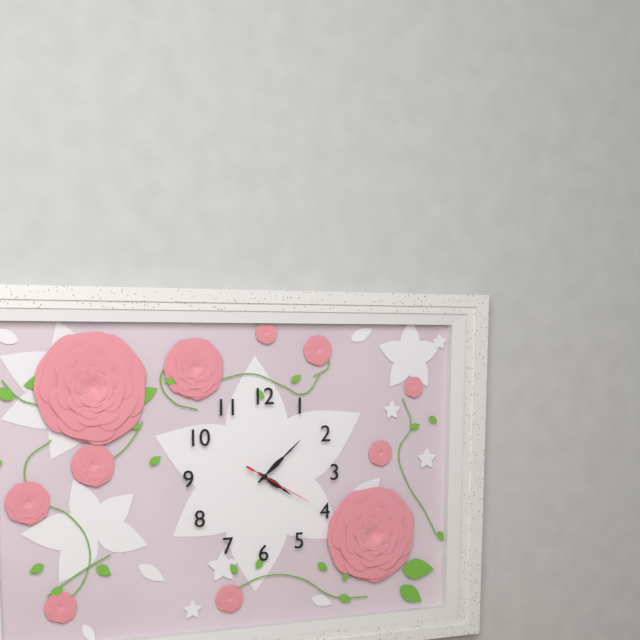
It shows 4 h 08 min 20 s
